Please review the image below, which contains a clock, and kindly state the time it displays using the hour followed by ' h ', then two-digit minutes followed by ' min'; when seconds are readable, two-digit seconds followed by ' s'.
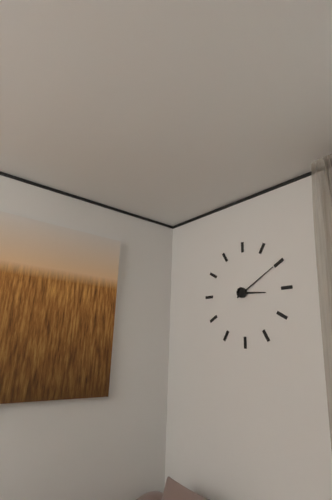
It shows 3 h 10 min
